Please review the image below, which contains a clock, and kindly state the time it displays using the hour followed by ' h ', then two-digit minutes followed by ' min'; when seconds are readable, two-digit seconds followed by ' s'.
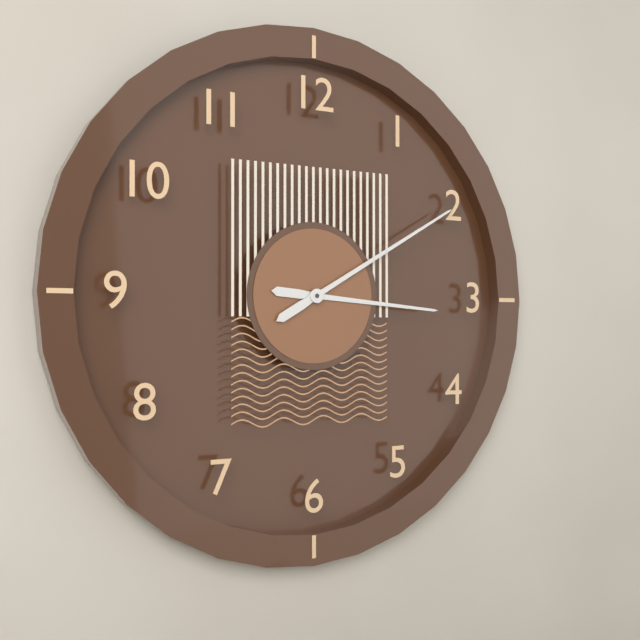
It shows 3 h 10 min
